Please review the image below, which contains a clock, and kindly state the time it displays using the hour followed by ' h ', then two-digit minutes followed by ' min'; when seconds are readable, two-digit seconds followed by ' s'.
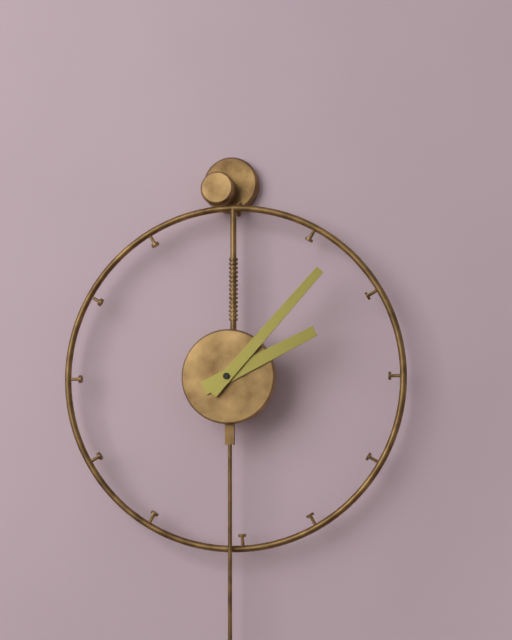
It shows 2 h 07 min
